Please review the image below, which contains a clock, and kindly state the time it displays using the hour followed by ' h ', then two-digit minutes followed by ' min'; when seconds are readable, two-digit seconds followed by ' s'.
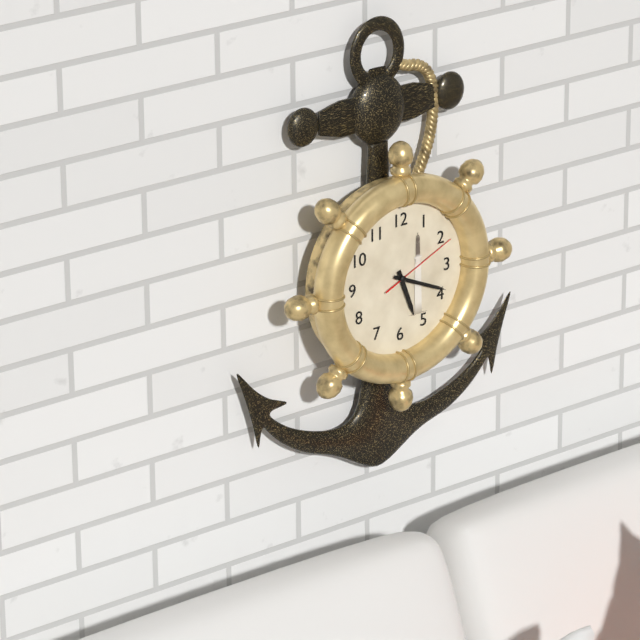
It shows 5 h 19 min 11 s
